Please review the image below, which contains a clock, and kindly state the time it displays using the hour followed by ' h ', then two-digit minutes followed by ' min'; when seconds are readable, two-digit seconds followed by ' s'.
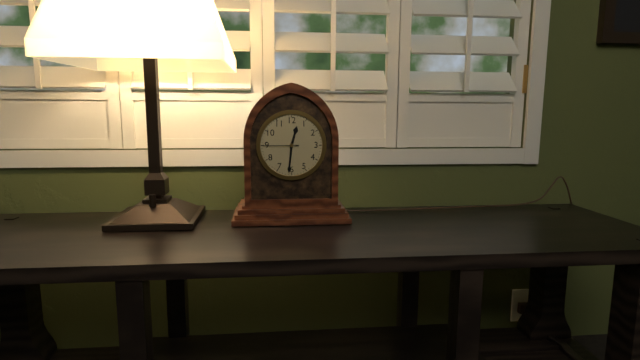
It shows 12 h 31 min
